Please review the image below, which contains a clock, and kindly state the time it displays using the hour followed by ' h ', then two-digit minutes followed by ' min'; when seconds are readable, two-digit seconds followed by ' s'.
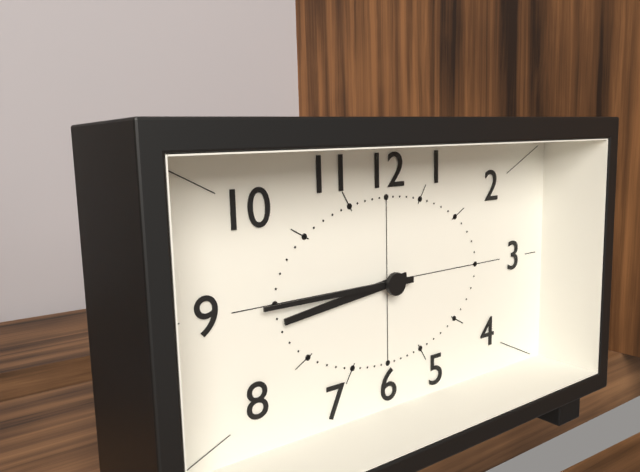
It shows 8 h 45 min
